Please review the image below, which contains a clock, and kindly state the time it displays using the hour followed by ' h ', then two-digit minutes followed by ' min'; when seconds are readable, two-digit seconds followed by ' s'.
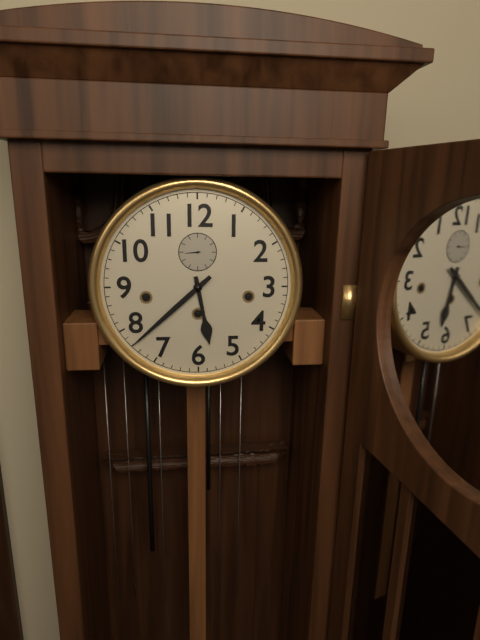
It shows 5 h 38 min
